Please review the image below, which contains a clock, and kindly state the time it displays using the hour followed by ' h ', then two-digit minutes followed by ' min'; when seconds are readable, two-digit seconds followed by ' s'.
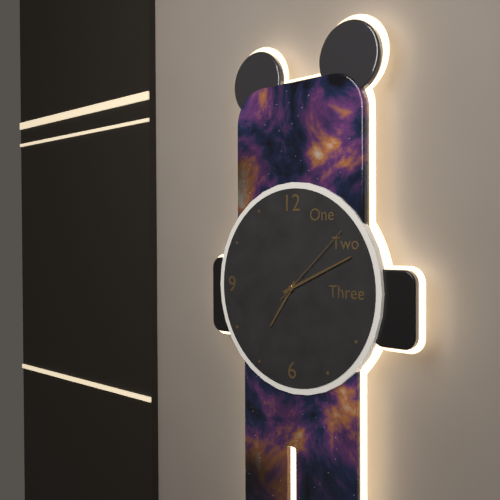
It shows 7 h 11 min 08 s
